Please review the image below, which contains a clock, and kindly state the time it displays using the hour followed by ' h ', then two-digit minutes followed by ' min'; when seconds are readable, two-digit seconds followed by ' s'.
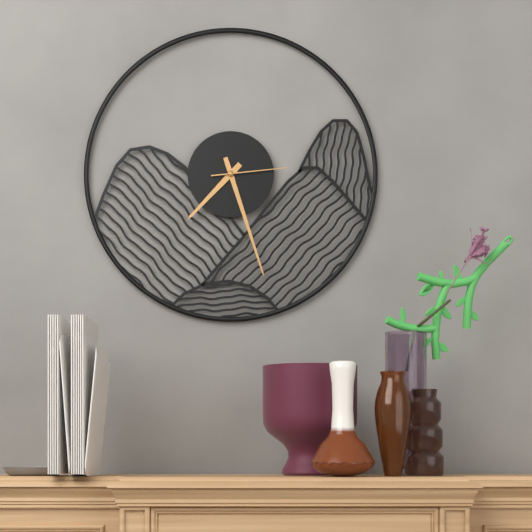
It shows 7 h 27 min 14 s
